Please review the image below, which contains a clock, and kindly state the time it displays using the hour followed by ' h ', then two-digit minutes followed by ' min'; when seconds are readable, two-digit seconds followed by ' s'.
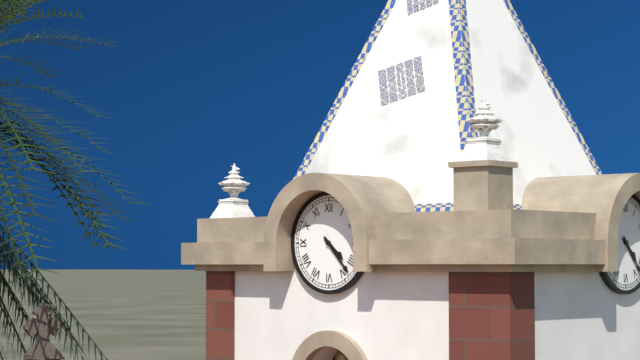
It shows 4 h 23 min
